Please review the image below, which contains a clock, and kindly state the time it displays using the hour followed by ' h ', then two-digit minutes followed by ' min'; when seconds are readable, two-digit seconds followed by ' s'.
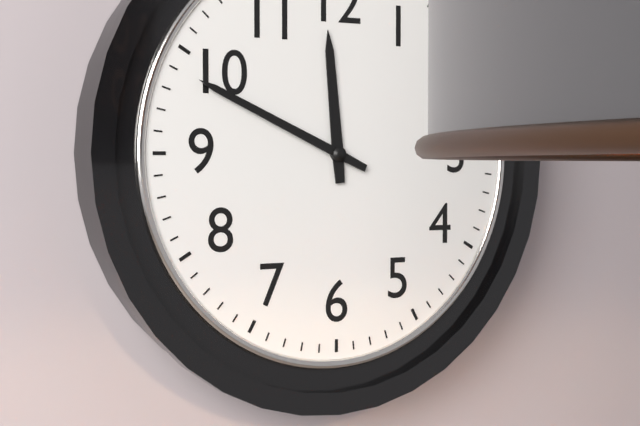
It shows 11 h 49 min
